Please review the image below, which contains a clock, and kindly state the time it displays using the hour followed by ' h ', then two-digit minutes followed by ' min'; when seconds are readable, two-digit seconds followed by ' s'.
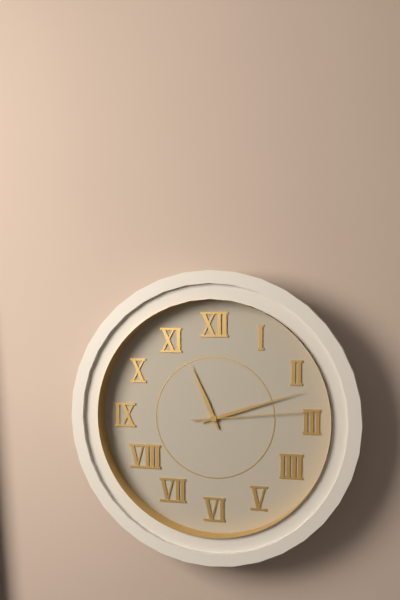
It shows 11 h 12 min 14 s
